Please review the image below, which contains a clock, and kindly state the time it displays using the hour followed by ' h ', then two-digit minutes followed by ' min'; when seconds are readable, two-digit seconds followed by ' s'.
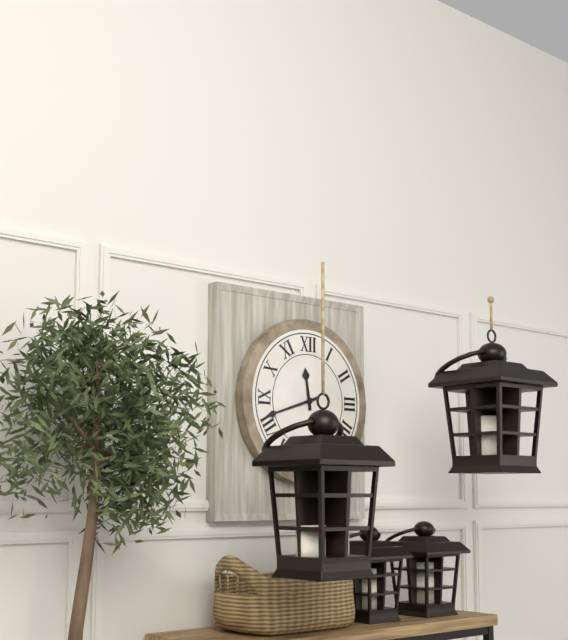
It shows 11 h 42 min
